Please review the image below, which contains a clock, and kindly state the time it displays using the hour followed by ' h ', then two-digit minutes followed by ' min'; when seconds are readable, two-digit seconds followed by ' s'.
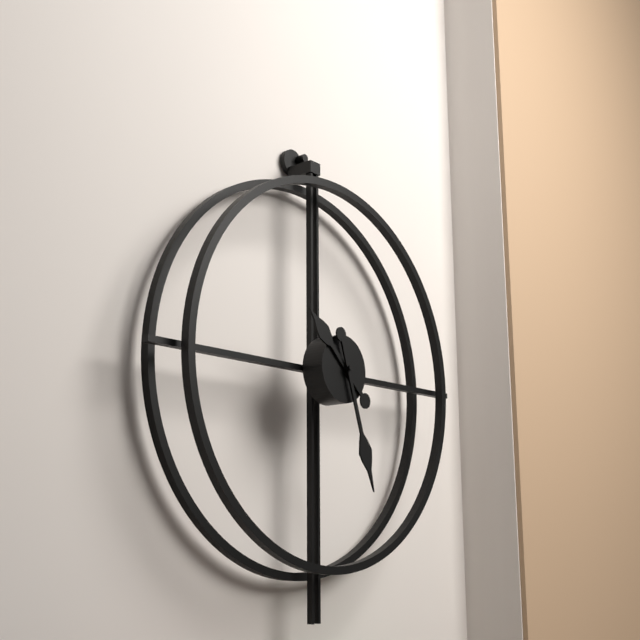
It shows 10 h 27 min
